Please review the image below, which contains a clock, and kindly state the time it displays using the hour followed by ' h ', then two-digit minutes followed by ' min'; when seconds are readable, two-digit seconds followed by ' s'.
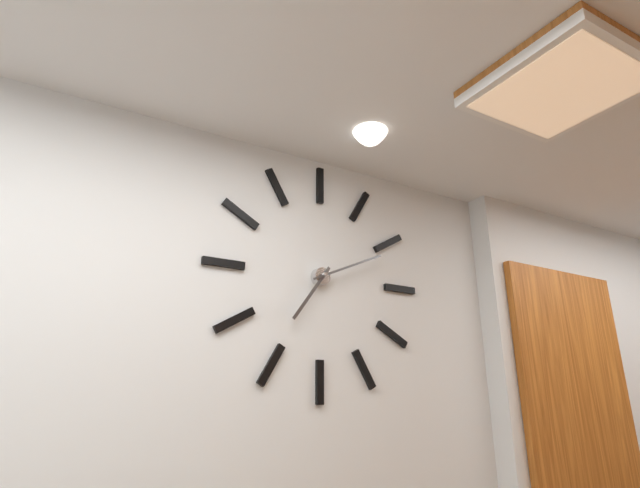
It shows 7 h 11 min
